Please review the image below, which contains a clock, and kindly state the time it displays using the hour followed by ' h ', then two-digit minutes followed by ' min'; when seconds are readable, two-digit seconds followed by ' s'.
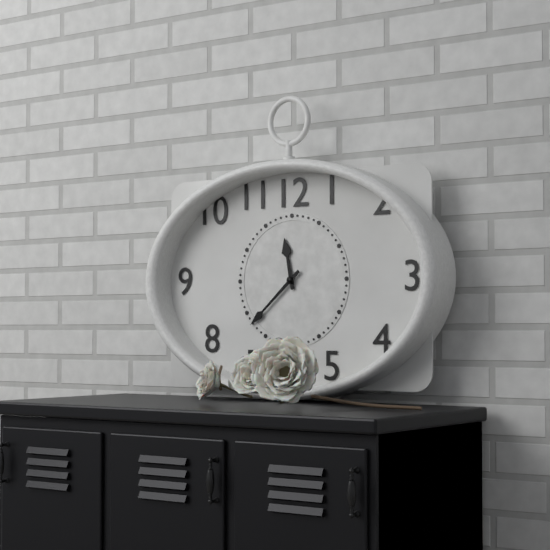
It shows 11 h 38 min
